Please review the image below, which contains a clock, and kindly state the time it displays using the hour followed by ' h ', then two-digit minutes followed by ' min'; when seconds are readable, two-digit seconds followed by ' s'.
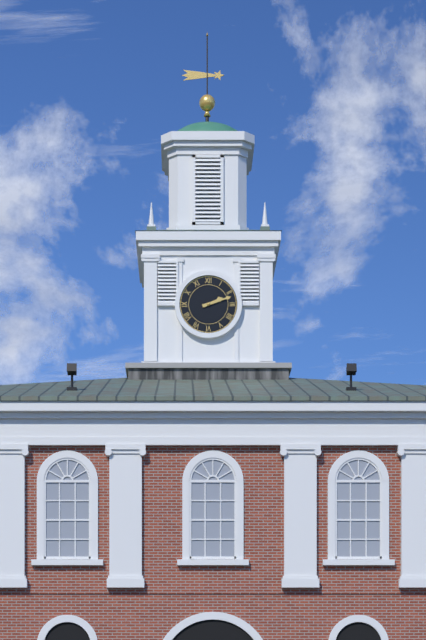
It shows 2 h 12 min
